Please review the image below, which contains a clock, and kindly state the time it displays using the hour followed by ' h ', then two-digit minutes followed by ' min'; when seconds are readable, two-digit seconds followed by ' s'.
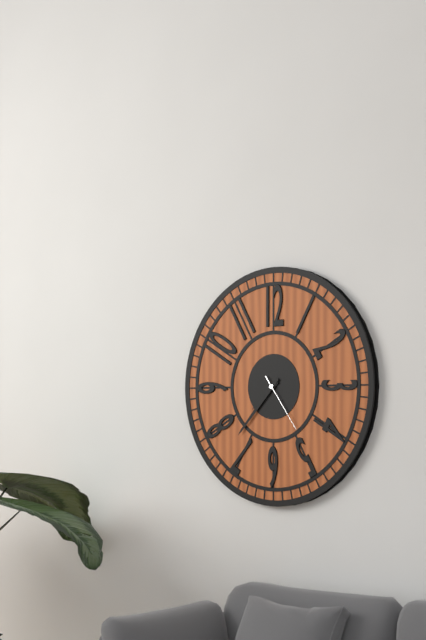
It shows 7 h 37 min 24 s
